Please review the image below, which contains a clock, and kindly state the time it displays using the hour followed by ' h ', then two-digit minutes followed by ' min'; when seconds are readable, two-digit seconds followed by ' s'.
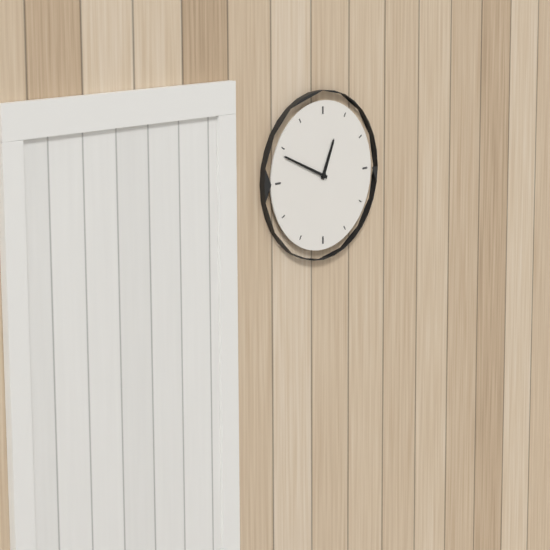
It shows 12 h 49 min
